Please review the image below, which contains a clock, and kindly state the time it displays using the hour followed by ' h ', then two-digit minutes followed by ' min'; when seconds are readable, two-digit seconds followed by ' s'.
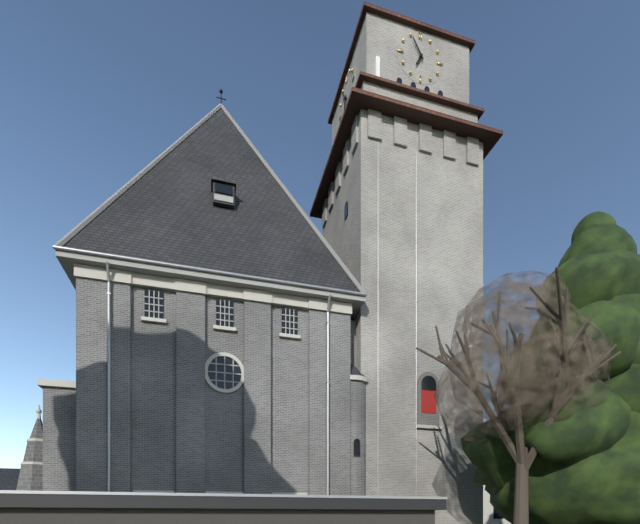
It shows 6 h 55 min
